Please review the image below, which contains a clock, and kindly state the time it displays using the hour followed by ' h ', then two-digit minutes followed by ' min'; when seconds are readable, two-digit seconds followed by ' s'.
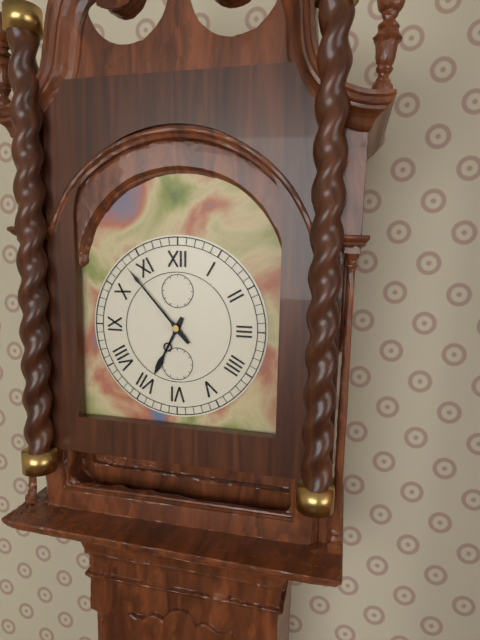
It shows 6 h 53 min
